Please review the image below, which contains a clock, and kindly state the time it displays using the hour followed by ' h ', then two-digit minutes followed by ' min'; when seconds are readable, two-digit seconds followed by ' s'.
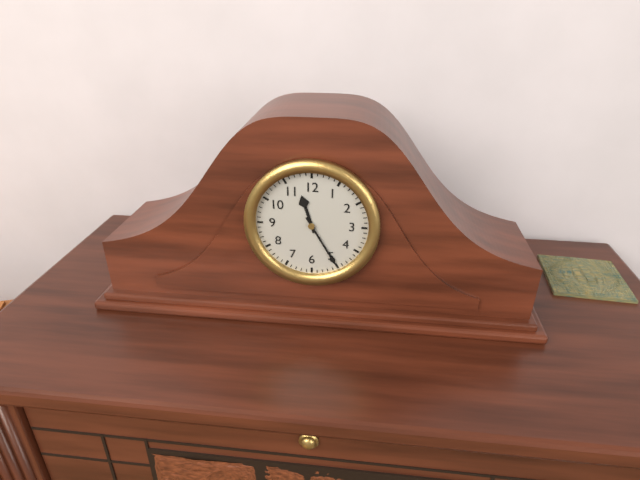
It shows 11 h 25 min
